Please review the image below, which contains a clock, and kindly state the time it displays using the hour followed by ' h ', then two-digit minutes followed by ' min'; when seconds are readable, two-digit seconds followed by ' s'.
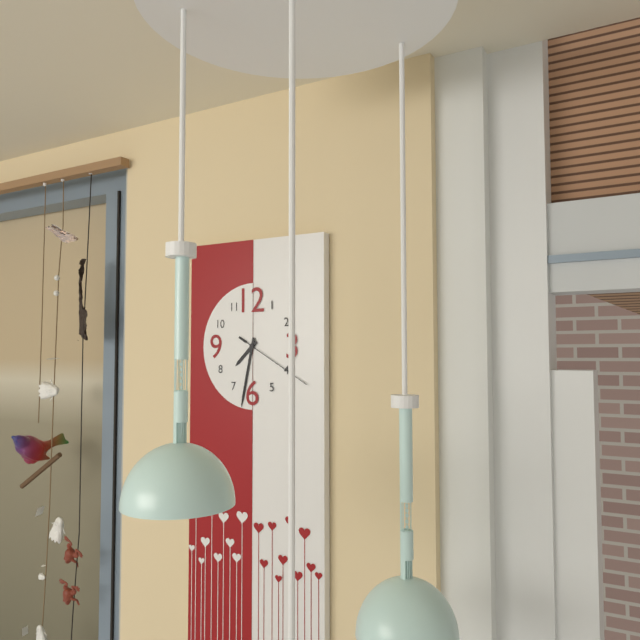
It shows 7 h 32 min 20 s
